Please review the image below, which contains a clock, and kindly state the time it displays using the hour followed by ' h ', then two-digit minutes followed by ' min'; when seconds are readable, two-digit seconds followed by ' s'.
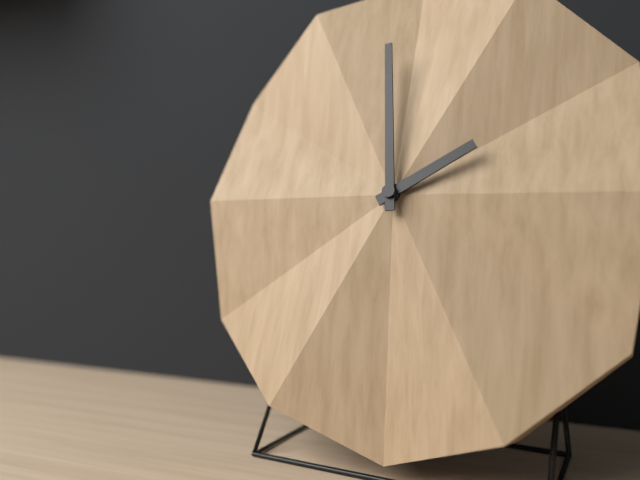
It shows 1 h 59 min
